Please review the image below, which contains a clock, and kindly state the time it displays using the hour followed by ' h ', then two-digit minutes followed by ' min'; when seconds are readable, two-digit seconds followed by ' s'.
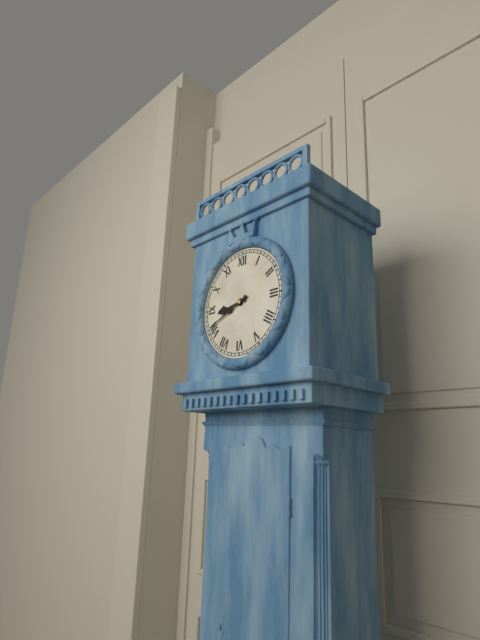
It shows 8 h 41 min
